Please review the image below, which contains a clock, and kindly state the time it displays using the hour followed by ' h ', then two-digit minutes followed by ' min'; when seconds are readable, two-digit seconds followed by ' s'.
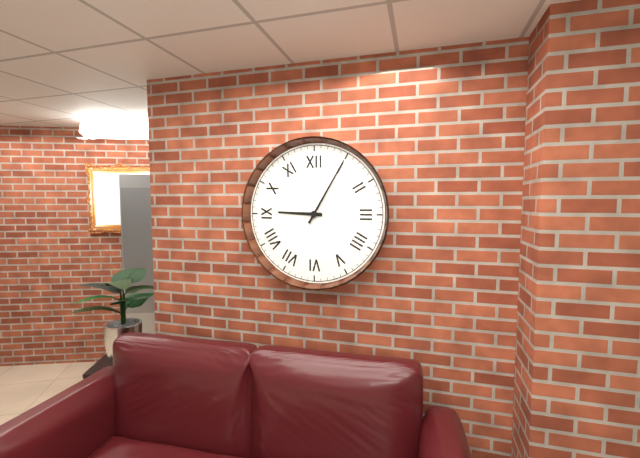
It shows 9 h 05 min
